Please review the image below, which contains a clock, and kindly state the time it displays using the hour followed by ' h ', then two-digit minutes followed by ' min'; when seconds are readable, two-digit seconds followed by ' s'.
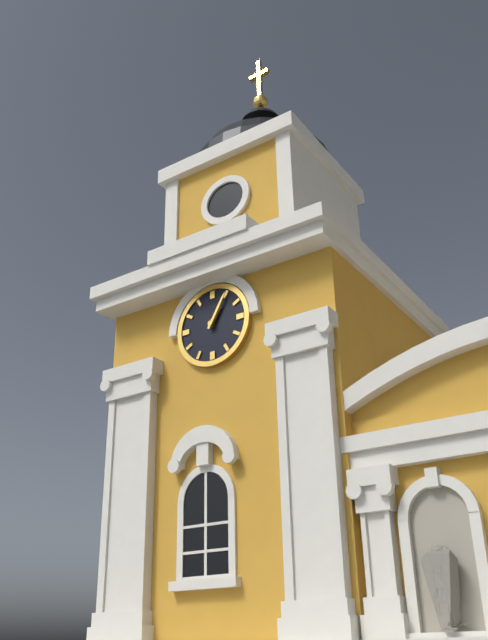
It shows 1 h 05 min
